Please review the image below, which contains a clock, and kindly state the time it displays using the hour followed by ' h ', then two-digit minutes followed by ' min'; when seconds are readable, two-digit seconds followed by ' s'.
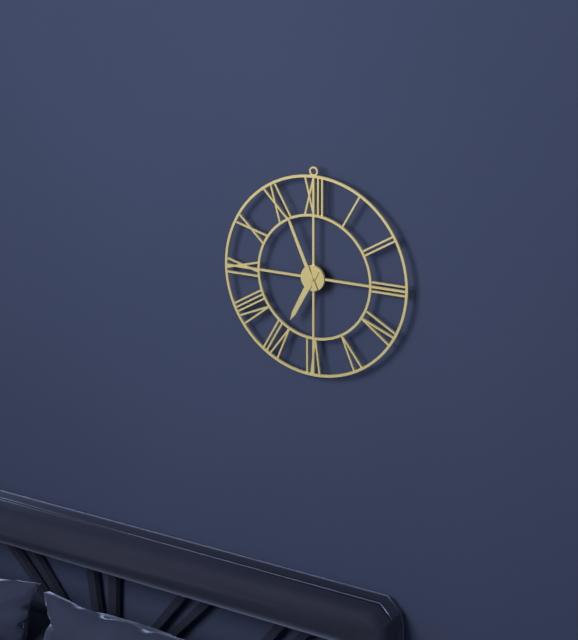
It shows 6 h 56 min
